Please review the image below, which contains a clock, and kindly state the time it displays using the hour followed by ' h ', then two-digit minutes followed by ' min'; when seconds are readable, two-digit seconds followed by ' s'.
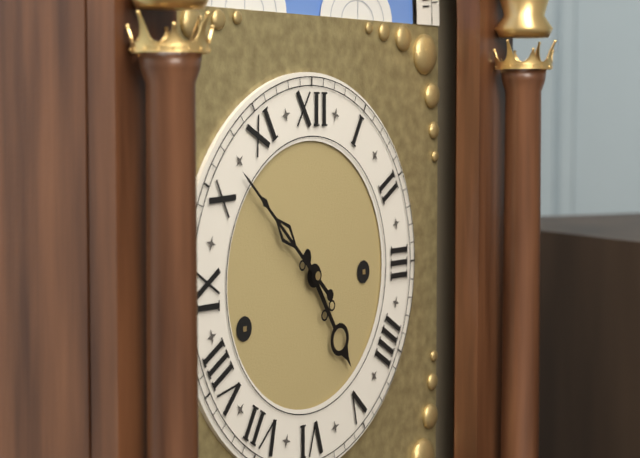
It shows 4 h 52 min
